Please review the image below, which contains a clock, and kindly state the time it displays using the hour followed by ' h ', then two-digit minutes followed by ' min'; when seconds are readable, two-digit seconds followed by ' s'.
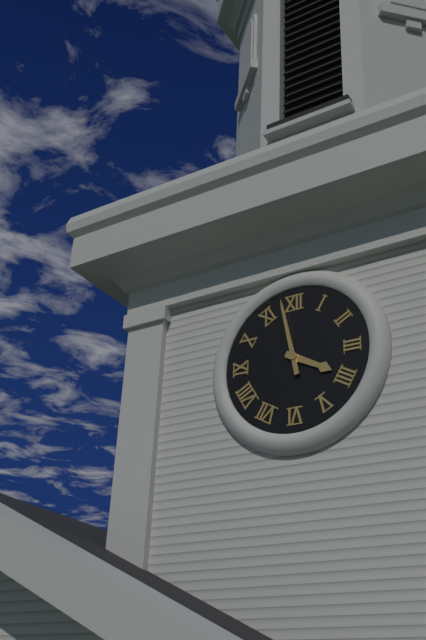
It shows 3 h 58 min
